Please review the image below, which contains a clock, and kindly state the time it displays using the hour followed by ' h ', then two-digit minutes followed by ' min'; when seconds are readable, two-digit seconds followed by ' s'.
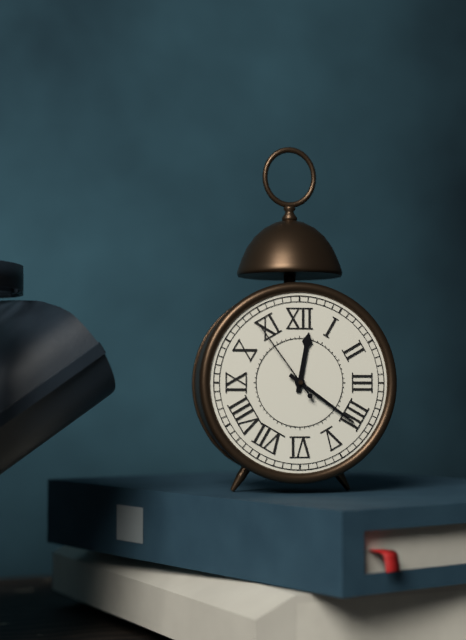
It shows 12 h 21 min 54 s
